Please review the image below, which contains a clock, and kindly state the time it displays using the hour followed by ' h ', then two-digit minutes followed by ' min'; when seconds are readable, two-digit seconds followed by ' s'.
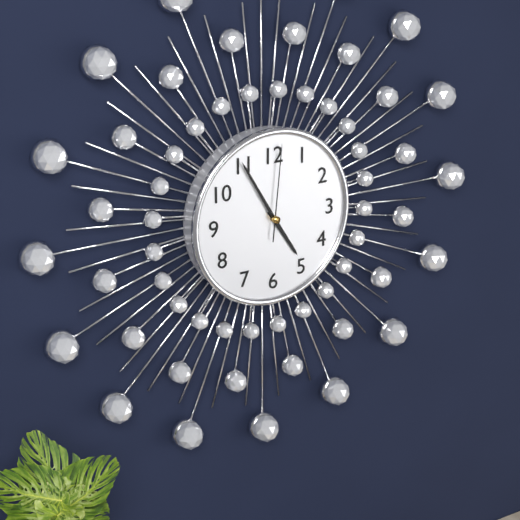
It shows 4 h 55 min 01 s
